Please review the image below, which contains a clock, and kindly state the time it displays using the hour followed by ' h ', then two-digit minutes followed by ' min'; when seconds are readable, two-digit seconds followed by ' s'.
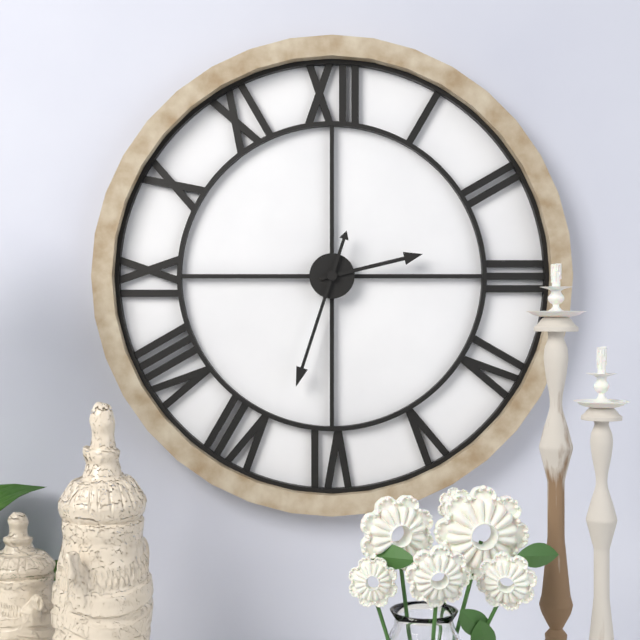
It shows 2 h 33 min
